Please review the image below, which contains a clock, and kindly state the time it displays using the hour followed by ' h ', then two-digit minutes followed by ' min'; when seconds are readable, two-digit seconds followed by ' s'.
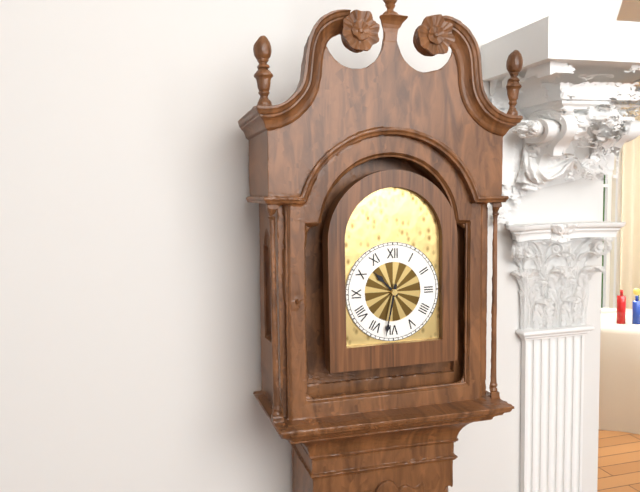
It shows 10 h 32 min
